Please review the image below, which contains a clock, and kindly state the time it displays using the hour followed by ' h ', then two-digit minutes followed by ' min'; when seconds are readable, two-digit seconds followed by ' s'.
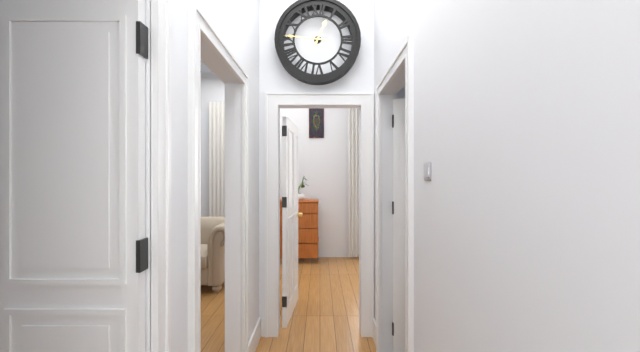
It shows 12 h 46 min
